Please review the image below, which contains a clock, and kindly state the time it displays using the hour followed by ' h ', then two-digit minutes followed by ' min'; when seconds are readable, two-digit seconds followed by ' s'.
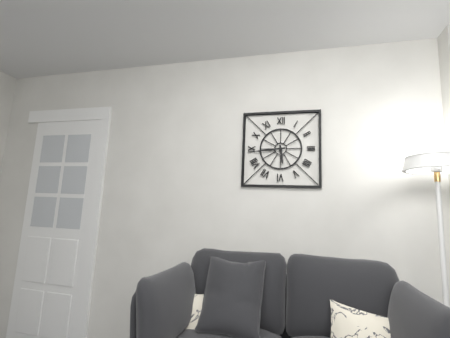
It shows 5 h 44 min
